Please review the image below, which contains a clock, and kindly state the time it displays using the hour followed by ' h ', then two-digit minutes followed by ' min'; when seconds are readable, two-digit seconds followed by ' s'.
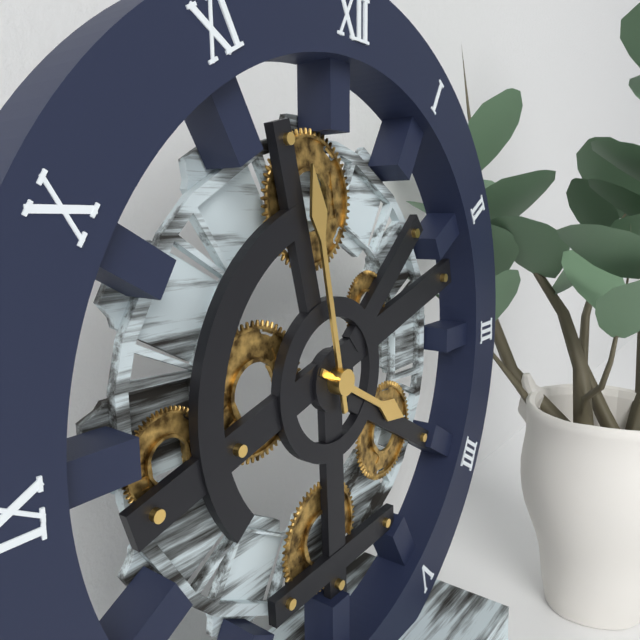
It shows 3 h 58 min
